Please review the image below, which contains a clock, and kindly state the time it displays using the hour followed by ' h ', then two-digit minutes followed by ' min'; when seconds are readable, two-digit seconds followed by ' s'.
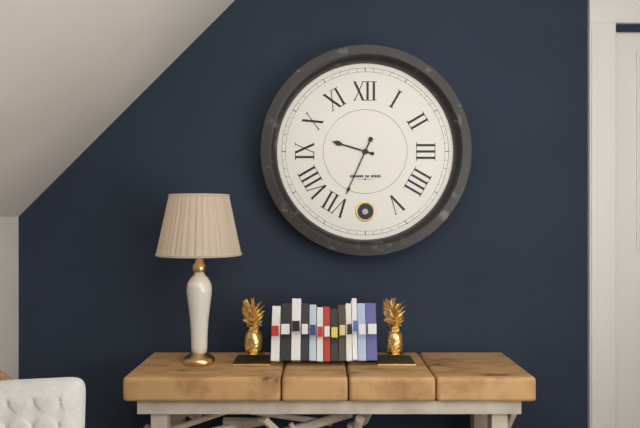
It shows 9 h 34 min
